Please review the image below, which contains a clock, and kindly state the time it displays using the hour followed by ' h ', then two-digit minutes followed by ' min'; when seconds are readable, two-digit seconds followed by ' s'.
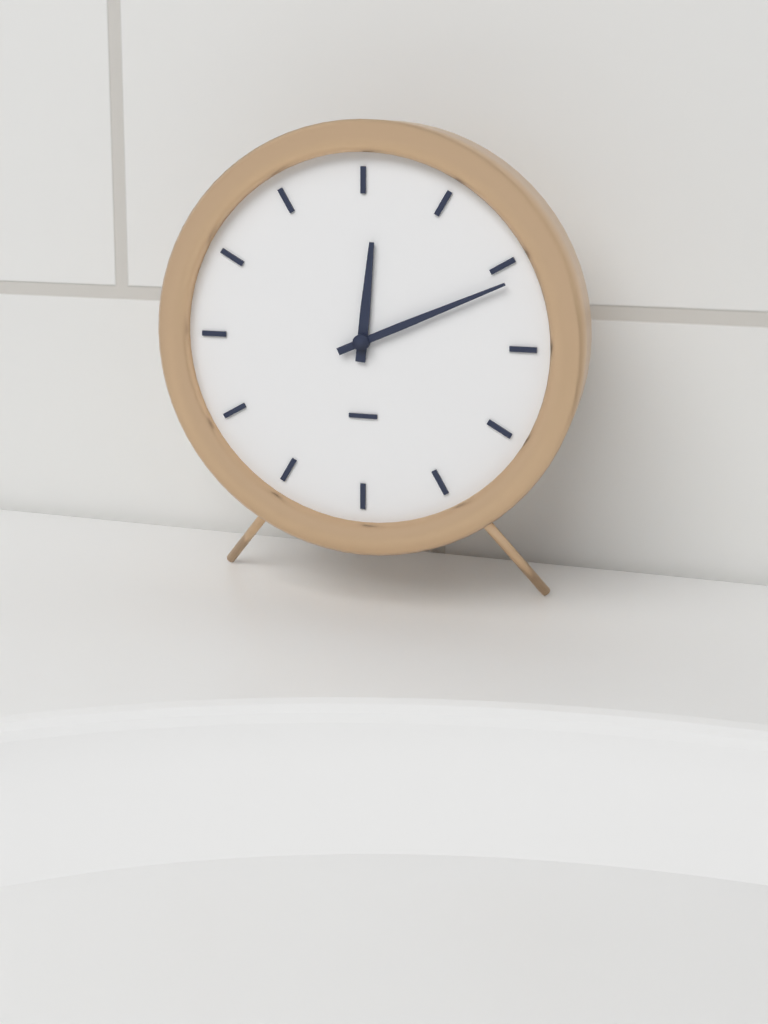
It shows 12 h 11 min
